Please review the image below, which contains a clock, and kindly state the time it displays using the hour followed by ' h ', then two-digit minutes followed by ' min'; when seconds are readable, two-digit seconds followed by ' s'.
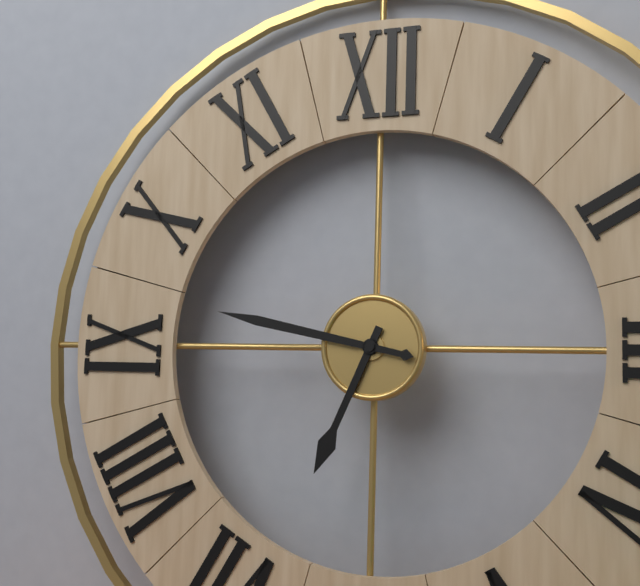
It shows 6 h 47 min
